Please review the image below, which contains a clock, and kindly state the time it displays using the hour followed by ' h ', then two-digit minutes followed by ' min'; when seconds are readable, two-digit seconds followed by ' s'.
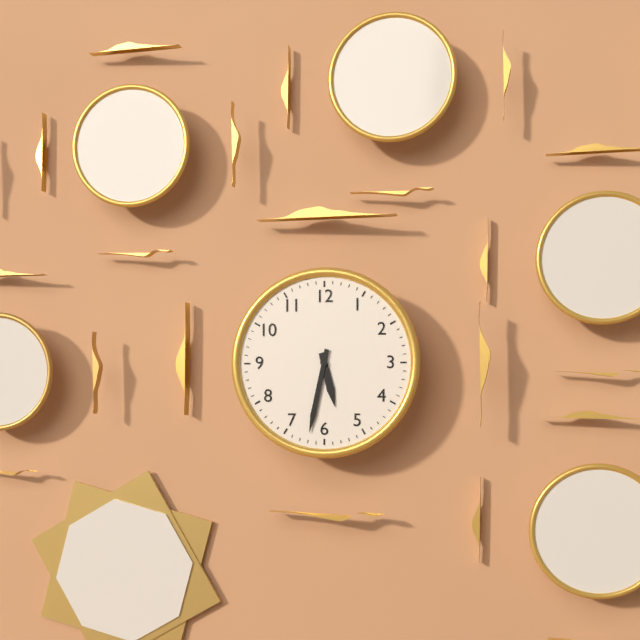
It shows 5 h 32 min
